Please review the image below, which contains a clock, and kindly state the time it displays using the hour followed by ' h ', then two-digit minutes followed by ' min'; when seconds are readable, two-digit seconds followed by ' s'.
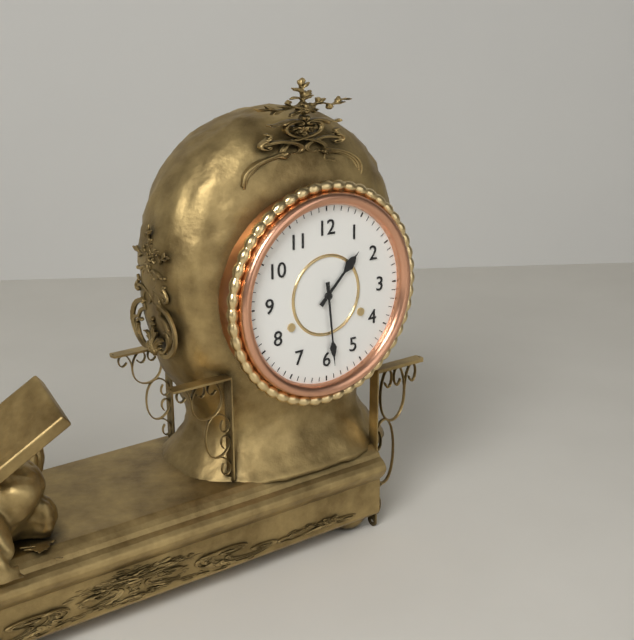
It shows 1 h 29 min
